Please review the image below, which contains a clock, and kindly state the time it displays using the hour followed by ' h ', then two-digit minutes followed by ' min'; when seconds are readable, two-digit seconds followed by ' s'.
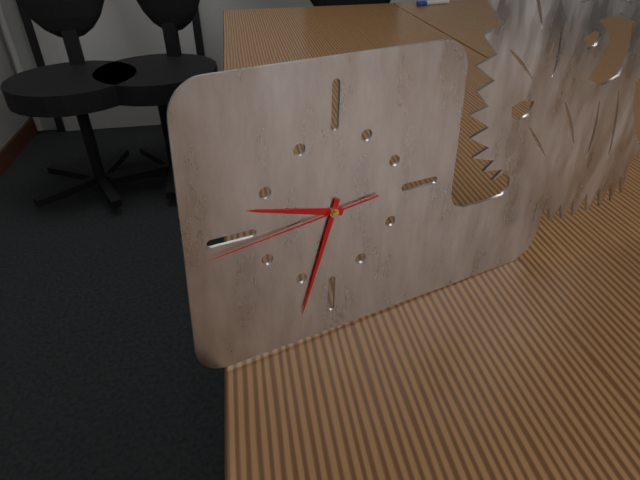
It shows 9 h 33 min 44 s
